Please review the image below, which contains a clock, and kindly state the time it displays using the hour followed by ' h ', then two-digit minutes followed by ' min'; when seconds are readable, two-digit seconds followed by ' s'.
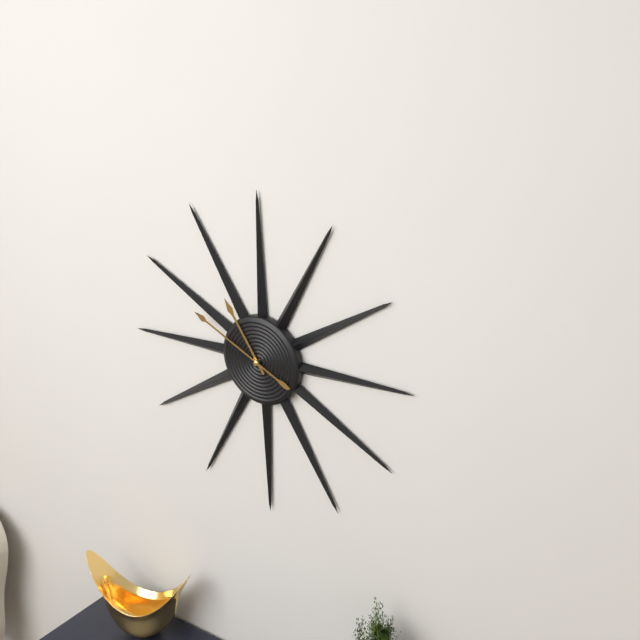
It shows 10 h 49 min
